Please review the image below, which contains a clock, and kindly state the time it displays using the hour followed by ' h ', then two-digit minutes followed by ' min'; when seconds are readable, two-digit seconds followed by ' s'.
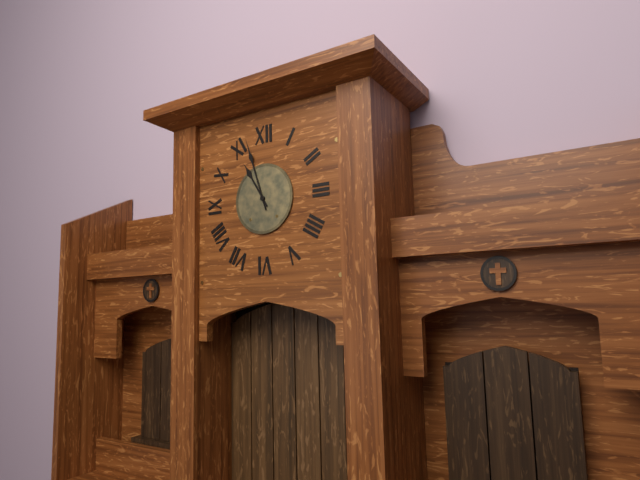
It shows 10 h 57 min
